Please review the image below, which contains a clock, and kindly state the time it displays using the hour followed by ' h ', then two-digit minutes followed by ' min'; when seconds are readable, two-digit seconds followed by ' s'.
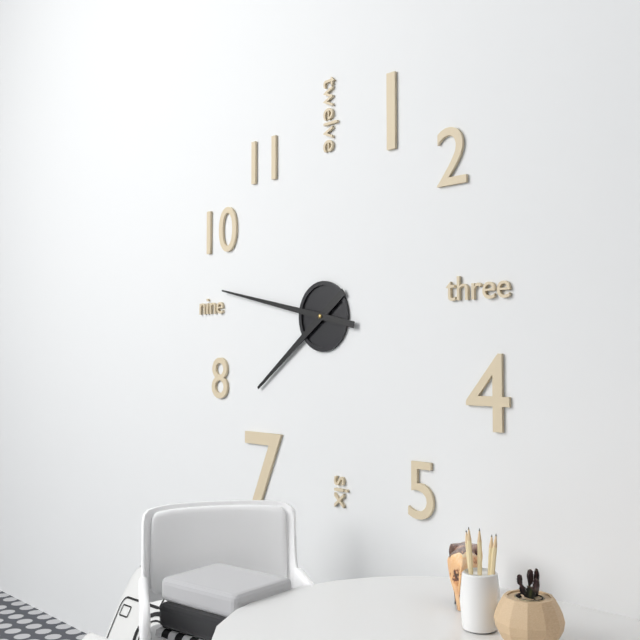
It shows 7 h 47 min
